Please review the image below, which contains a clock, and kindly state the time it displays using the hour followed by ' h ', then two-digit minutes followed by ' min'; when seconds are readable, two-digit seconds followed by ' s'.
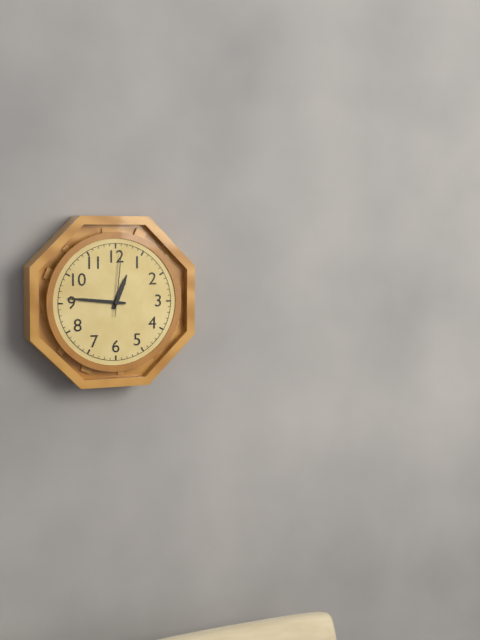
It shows 12 h 46 min 01 s
